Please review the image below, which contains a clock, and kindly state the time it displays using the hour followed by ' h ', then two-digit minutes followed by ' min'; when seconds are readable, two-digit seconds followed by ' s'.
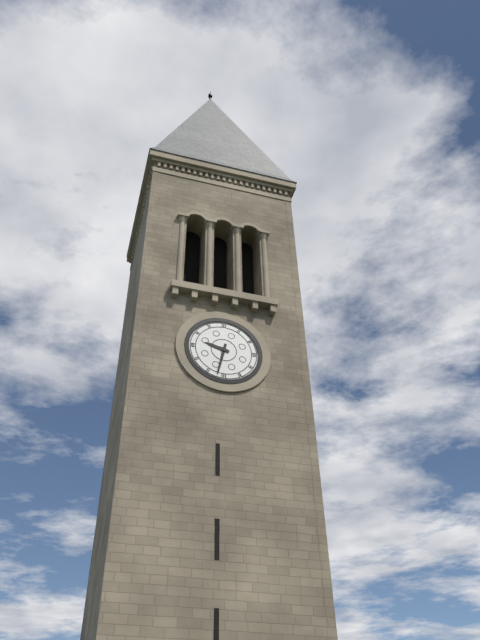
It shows 9 h 32 min
